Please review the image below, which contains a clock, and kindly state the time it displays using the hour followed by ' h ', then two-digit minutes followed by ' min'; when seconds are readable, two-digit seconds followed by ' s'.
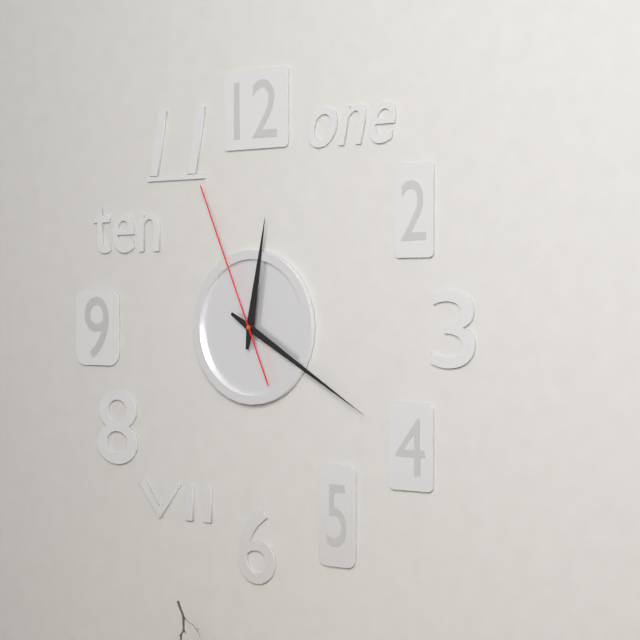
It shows 12 h 20 min 56 s
